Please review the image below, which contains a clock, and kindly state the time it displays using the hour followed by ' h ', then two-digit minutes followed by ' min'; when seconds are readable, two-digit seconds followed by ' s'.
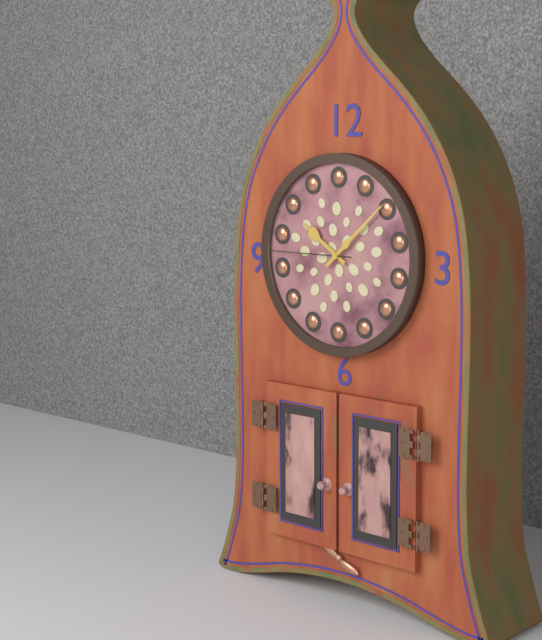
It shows 10 h 08 min 45 s
